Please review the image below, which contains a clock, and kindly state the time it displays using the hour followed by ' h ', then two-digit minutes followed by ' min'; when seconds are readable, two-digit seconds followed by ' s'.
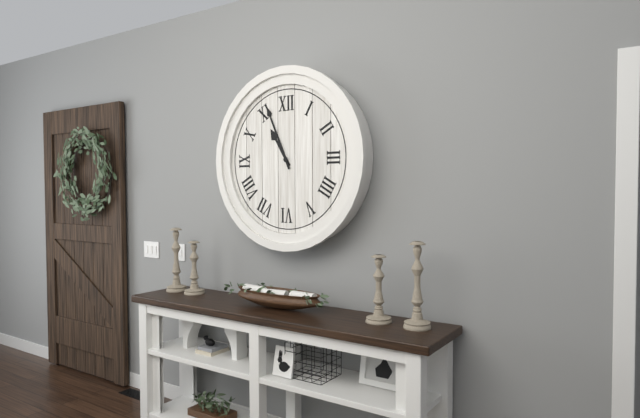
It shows 10 h 56 min
